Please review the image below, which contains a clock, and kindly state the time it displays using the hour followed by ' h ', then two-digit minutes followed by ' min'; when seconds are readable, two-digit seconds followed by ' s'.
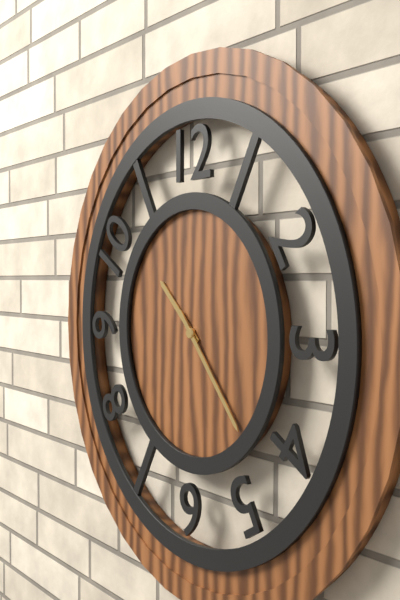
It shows 10 h 23 min
